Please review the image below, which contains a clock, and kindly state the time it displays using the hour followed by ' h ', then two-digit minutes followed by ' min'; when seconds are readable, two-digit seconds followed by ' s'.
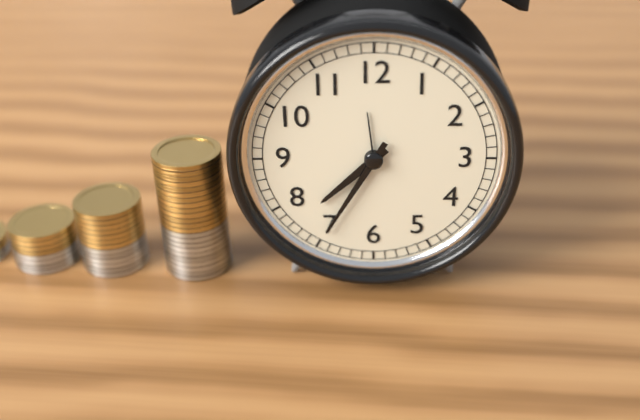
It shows 7 h 35 min
